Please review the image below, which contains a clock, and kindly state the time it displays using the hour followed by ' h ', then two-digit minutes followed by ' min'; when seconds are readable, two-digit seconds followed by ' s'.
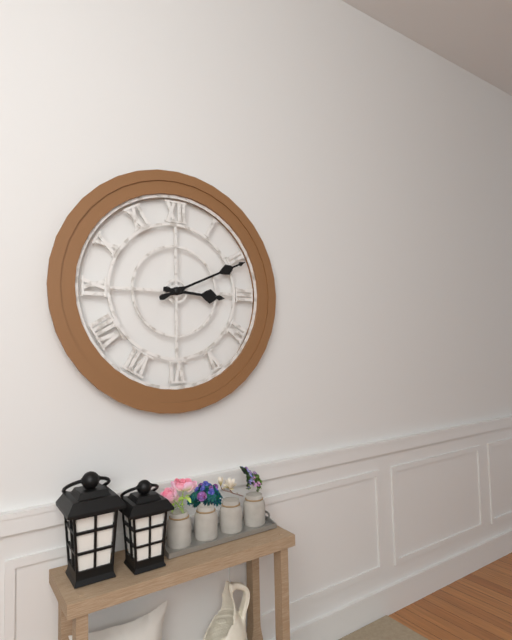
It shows 3 h 11 min
